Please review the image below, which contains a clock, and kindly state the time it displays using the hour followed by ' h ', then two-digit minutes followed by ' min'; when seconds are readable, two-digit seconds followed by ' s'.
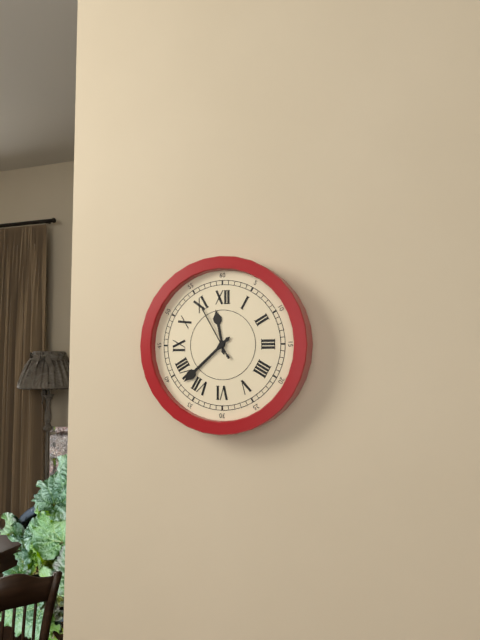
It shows 11 h 38 min 55 s
